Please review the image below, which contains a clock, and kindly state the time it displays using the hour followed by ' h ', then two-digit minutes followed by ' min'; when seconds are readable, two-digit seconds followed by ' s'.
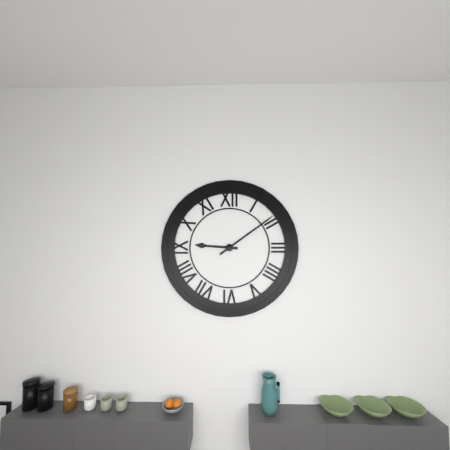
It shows 9 h 09 min
